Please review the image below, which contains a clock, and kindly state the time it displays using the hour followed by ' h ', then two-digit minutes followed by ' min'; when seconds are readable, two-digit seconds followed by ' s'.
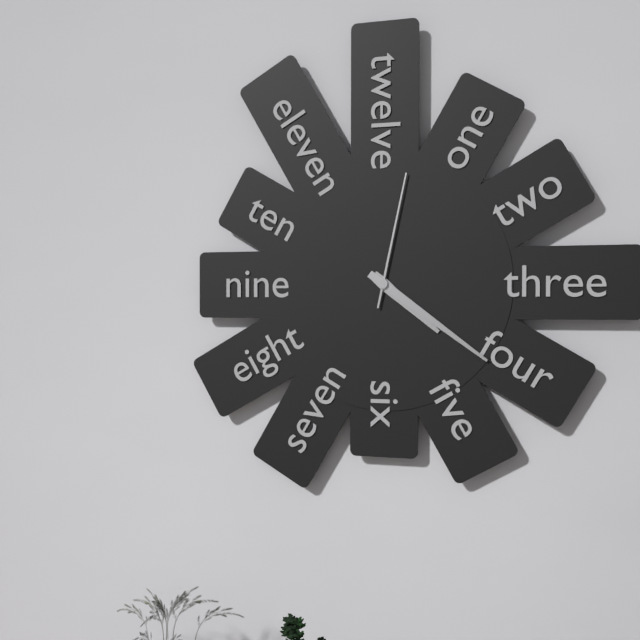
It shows 4 h 21 min 02 s
